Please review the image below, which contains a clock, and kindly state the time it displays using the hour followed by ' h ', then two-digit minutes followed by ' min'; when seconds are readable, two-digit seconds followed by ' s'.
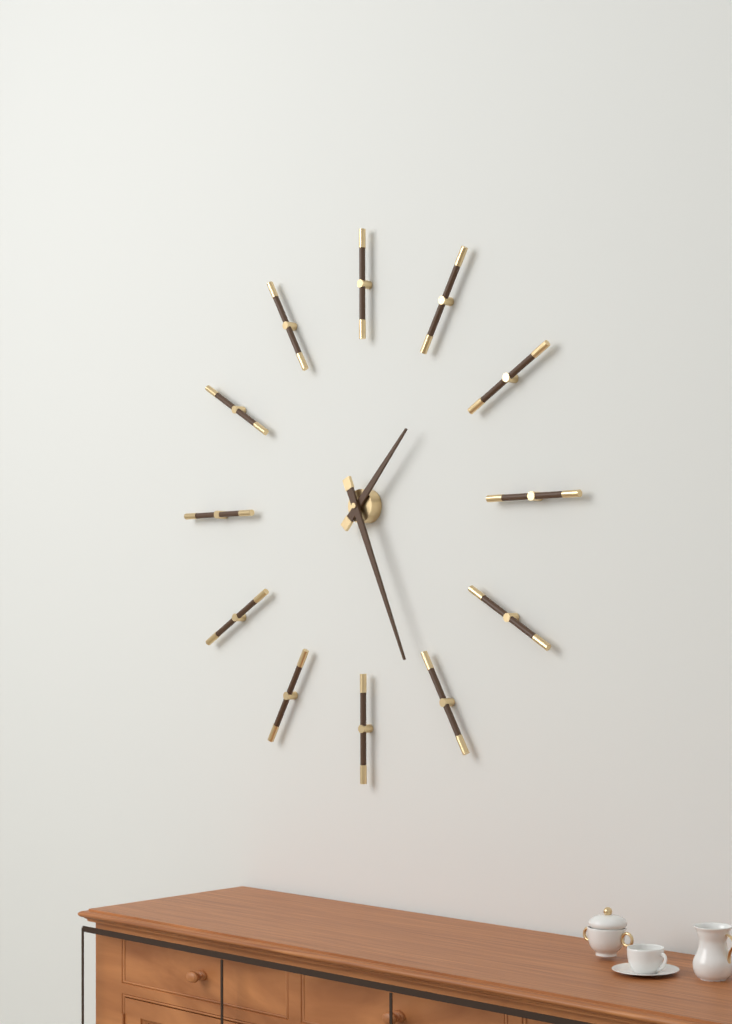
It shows 1 h 26 min
